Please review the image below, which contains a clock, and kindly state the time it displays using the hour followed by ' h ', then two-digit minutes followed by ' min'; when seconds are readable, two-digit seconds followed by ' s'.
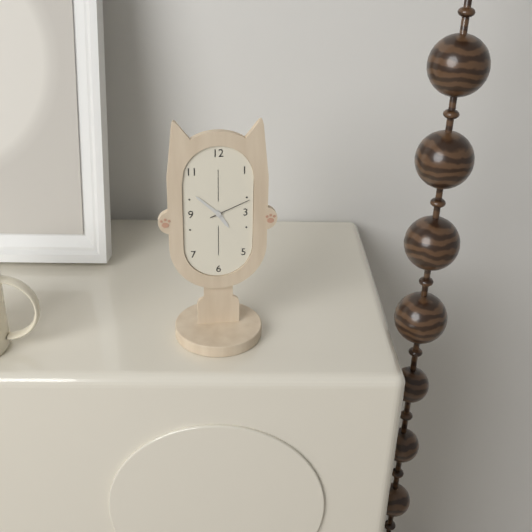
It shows 4 h 52 min
